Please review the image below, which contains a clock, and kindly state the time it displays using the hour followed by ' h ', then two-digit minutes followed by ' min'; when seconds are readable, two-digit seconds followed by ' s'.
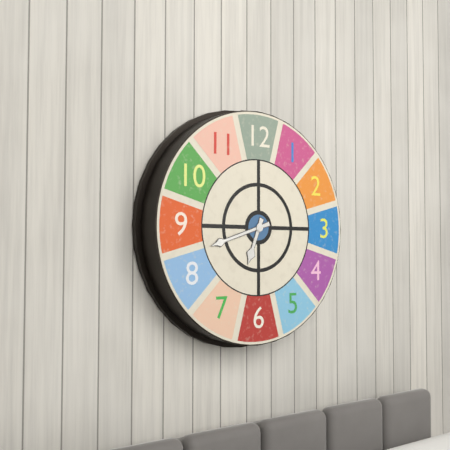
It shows 6 h 42 min
